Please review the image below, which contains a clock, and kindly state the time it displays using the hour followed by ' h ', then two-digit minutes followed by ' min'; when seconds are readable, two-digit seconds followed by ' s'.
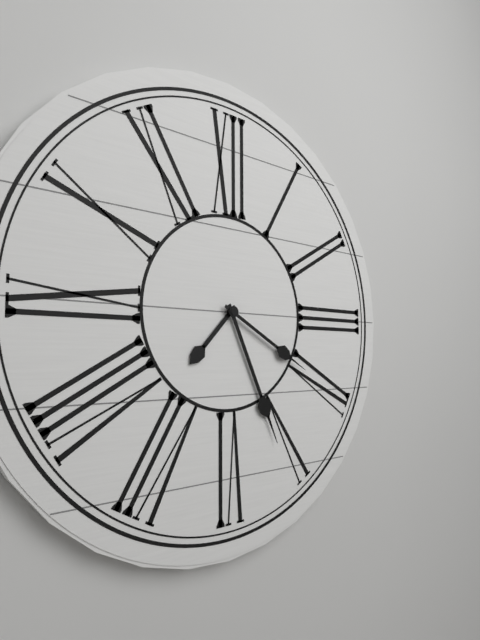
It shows 7 h 26 min 20 s
